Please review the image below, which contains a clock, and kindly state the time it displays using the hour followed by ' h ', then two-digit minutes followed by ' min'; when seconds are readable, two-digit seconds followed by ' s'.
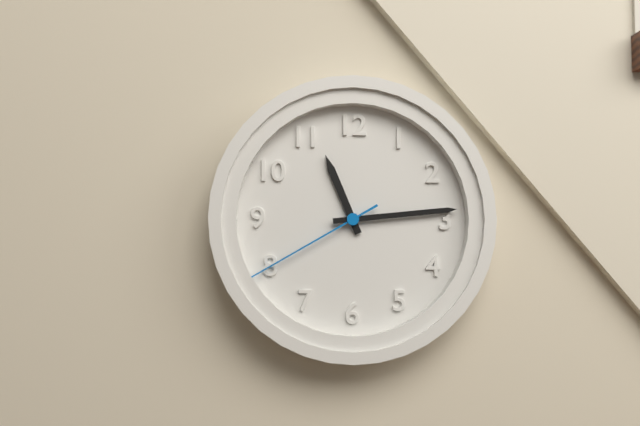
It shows 11 h 14 min 40 s
